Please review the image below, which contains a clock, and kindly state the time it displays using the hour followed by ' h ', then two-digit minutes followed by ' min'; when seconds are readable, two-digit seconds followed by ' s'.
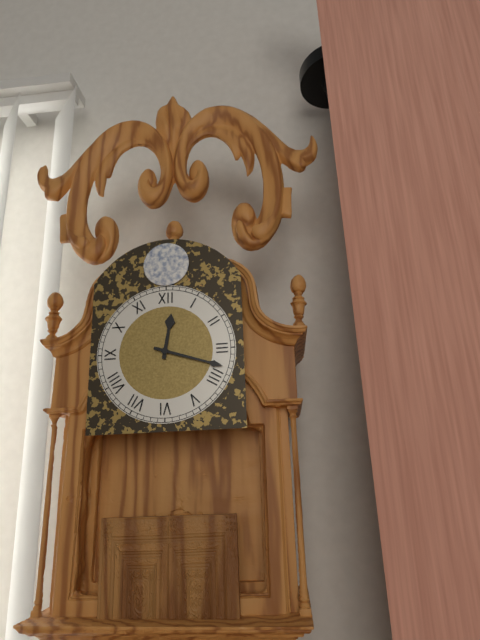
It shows 12 h 18 min
